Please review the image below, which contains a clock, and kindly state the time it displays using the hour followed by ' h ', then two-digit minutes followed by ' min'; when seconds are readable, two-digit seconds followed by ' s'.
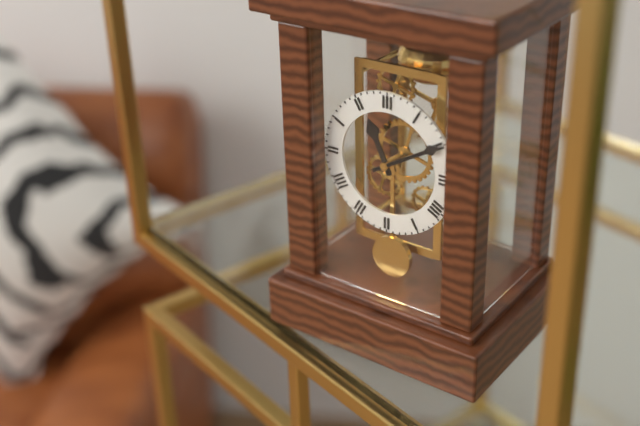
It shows 11 h 10 min
